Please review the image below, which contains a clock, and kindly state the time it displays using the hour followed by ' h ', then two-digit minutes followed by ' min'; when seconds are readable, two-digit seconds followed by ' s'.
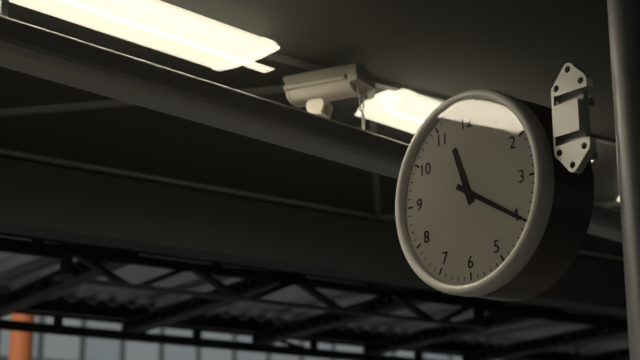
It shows 11 h 20 min
